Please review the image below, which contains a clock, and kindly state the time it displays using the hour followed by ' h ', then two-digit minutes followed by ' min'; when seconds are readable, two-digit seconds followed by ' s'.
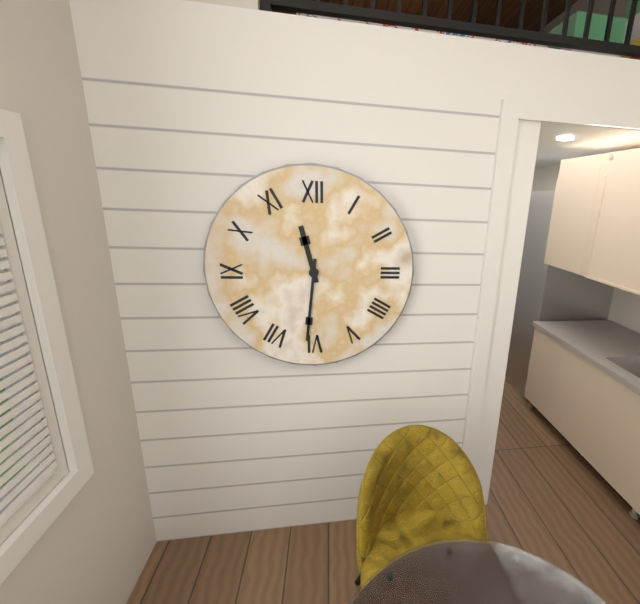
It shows 11 h 31 min
